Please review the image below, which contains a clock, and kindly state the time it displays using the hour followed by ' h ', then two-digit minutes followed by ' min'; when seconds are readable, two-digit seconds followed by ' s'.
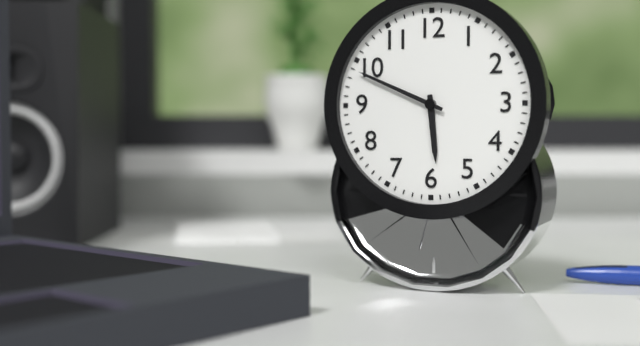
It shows 5 h 49 min
